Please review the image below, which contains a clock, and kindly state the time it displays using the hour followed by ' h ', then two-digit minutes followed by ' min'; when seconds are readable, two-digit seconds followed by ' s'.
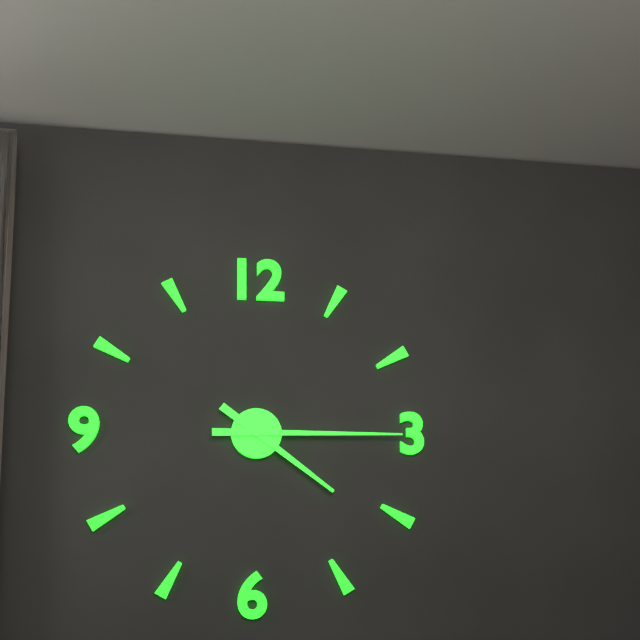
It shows 4 h 15 min
